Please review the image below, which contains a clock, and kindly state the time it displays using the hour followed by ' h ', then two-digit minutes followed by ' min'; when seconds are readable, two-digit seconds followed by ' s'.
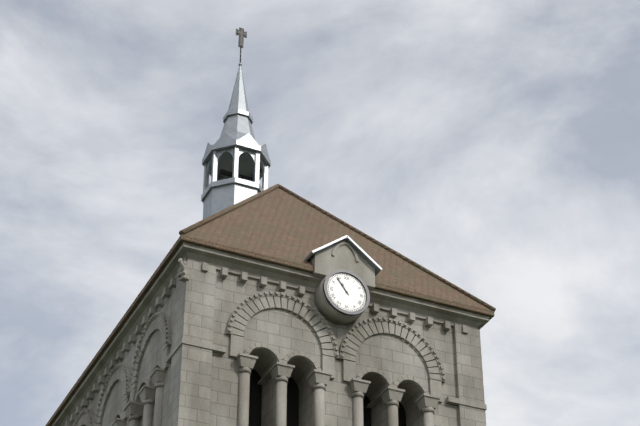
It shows 10 h 54 min
